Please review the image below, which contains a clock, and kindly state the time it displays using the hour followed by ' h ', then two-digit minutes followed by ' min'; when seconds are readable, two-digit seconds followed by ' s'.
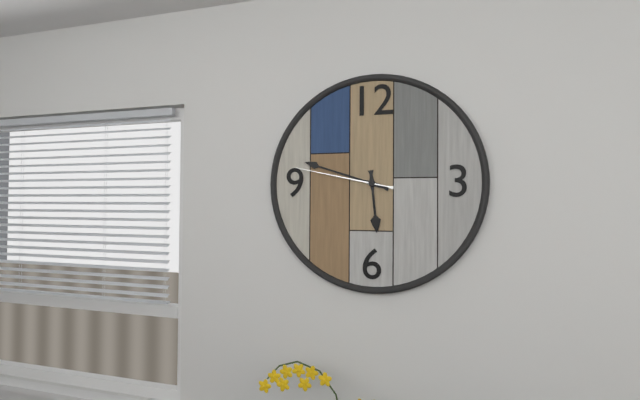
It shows 5 h 48 min 47 s
